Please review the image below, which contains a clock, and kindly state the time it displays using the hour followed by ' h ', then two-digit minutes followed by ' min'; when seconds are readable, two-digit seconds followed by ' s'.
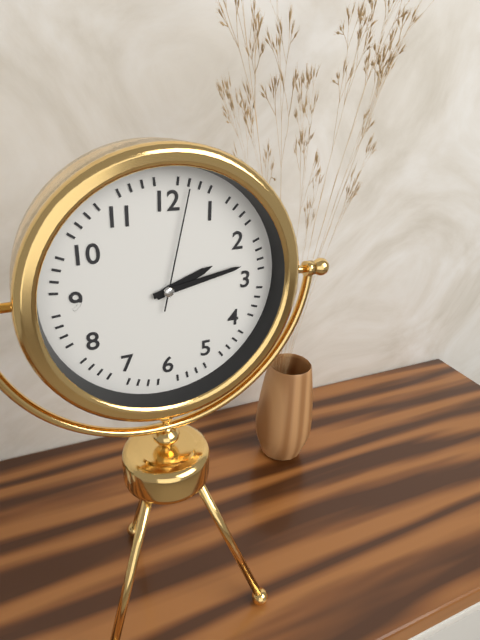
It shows 2 h 13 min 02 s
